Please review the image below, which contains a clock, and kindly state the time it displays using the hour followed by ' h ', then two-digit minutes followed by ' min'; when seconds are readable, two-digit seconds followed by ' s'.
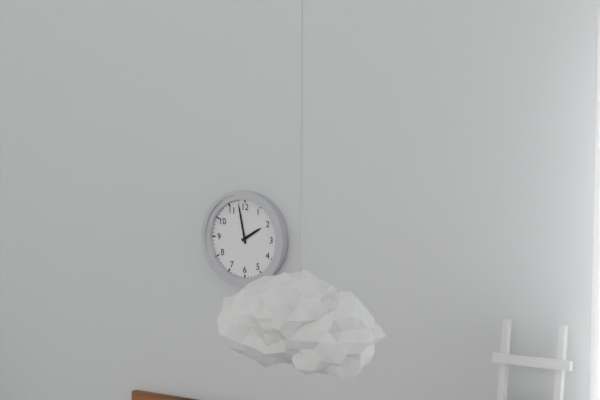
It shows 1 h 58 min
